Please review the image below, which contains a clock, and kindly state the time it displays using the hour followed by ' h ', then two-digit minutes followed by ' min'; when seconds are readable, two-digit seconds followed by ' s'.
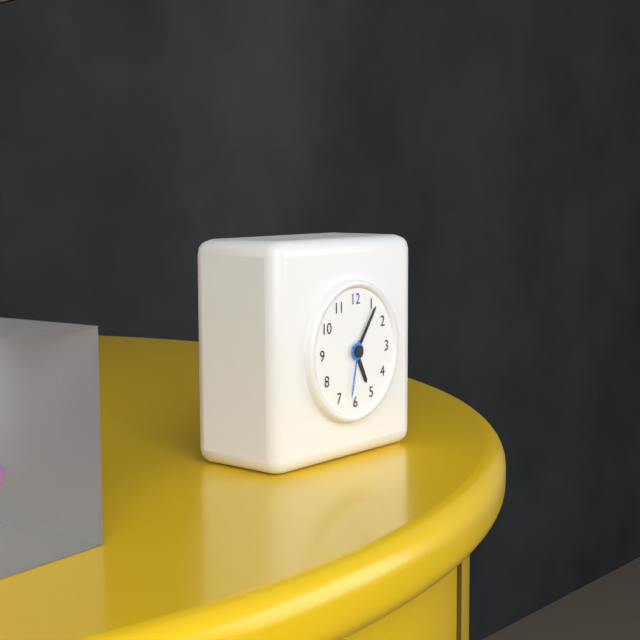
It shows 5 h 06 min 32 s
